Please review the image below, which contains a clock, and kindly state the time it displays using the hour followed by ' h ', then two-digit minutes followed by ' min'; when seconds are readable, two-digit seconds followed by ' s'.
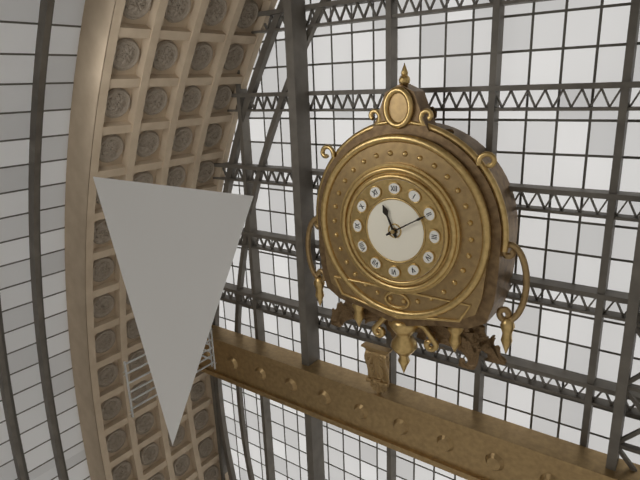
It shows 11 h 10 min
